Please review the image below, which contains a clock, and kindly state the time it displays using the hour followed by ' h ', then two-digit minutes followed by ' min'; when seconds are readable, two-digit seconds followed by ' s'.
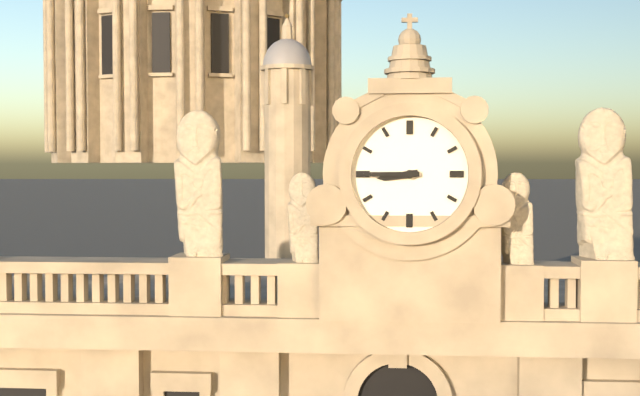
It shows 8 h 45 min
